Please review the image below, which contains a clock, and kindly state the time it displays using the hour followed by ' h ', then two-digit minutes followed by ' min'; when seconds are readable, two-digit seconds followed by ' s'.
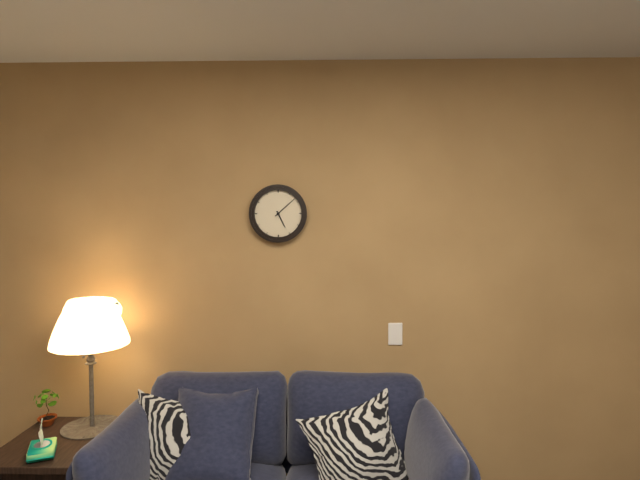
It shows 5 h 08 min
